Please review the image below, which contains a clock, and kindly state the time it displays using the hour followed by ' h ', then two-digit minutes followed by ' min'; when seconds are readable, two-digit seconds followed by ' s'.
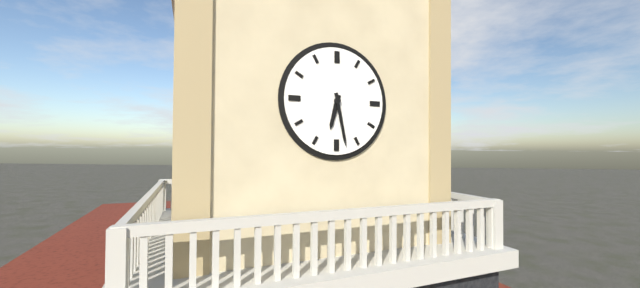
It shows 6 h 28 min
